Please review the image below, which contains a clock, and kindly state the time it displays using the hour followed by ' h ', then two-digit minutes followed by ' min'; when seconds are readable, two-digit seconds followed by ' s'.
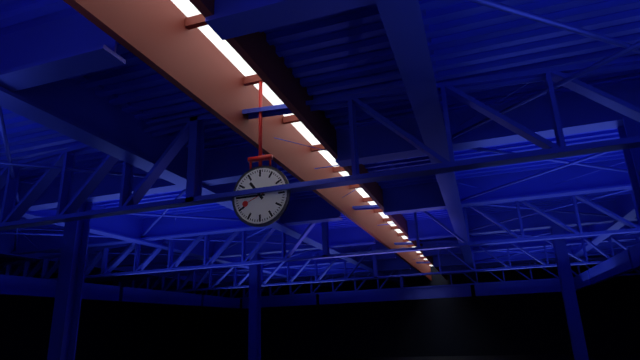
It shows 10 h 45 min
